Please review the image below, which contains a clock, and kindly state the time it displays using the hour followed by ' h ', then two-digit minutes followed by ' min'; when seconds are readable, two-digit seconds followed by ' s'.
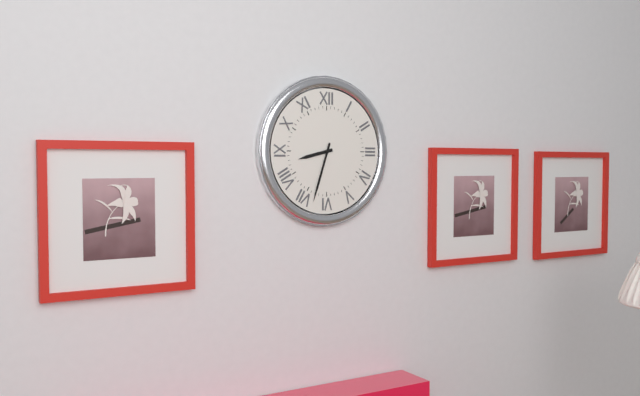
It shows 8 h 33 min
